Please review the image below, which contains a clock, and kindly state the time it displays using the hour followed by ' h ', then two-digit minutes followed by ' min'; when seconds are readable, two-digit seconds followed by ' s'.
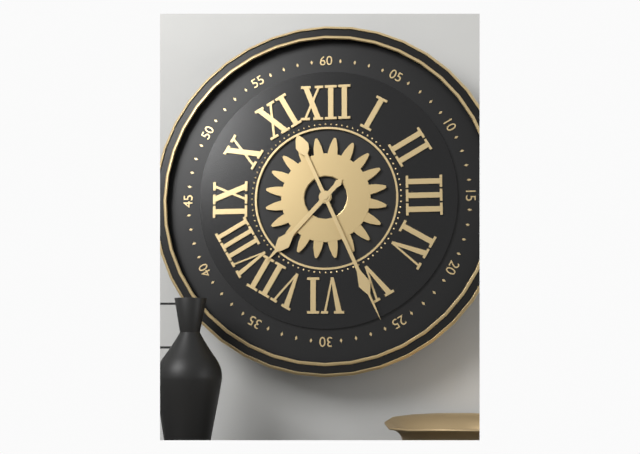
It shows 7 h 26 min
